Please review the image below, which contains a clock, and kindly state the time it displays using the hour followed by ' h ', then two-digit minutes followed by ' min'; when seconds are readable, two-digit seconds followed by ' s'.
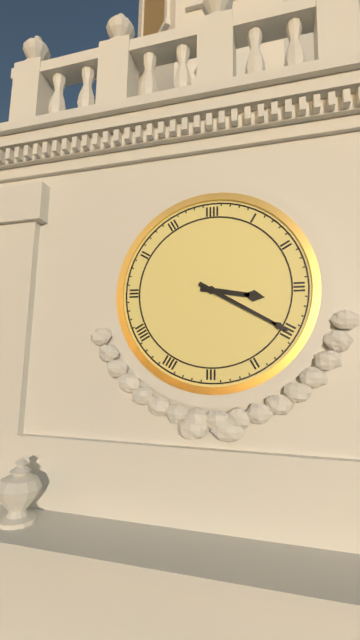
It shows 3 h 20 min
